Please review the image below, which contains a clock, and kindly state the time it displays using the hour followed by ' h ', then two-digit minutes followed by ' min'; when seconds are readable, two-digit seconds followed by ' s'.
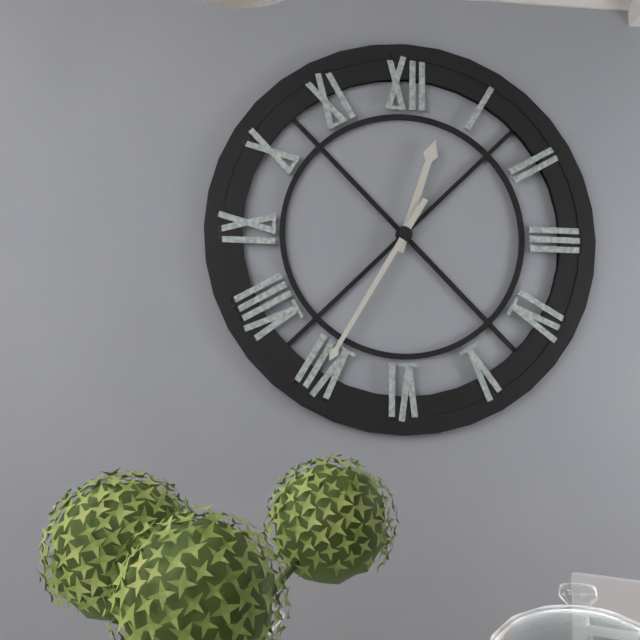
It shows 12 h 35 min
